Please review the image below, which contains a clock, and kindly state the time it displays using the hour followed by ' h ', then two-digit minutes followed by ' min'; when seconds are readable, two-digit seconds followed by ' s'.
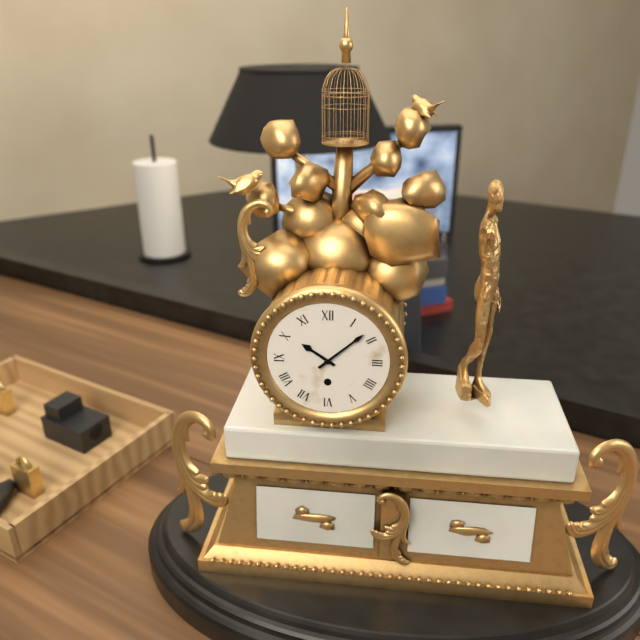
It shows 10 h 08 min
